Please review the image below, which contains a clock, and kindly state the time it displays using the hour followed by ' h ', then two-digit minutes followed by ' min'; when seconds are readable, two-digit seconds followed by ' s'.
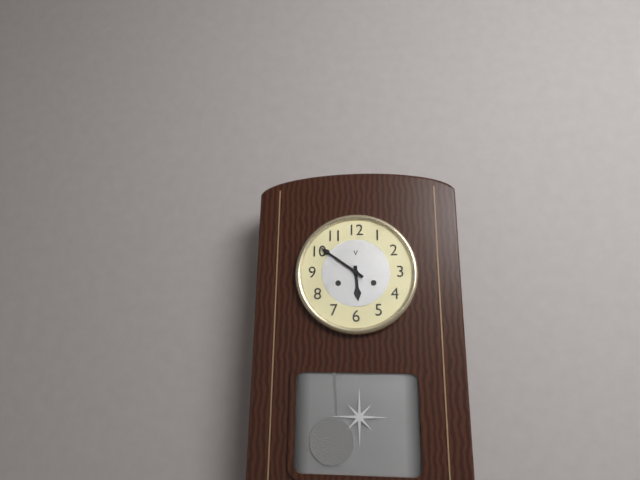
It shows 5 h 51 min
